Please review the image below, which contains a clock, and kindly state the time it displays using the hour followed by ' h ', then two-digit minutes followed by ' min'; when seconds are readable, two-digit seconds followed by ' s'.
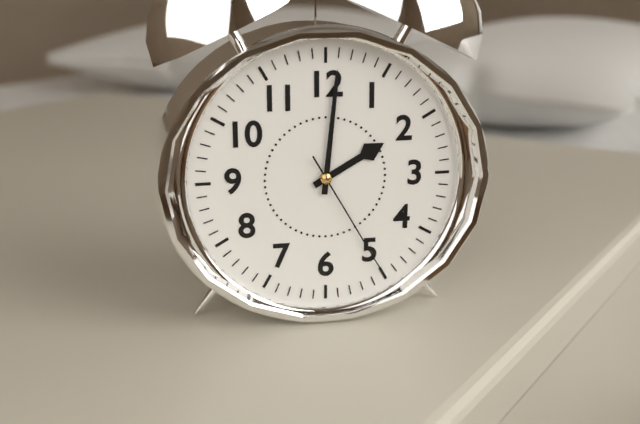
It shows 2 h 01 min 25 s
